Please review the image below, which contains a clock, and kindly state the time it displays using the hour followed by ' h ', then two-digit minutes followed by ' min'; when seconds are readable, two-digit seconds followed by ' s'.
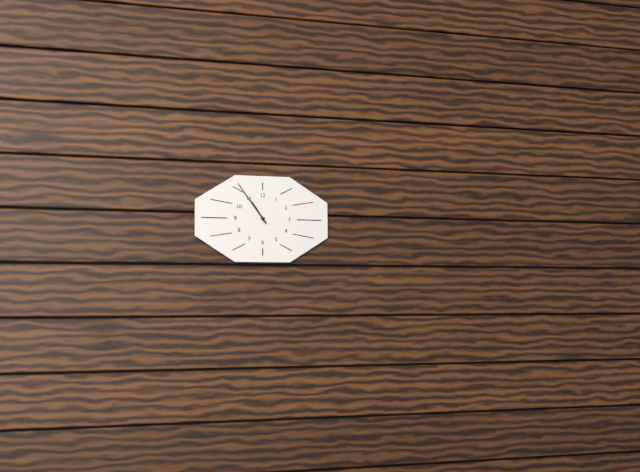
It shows 10 h 54 min
